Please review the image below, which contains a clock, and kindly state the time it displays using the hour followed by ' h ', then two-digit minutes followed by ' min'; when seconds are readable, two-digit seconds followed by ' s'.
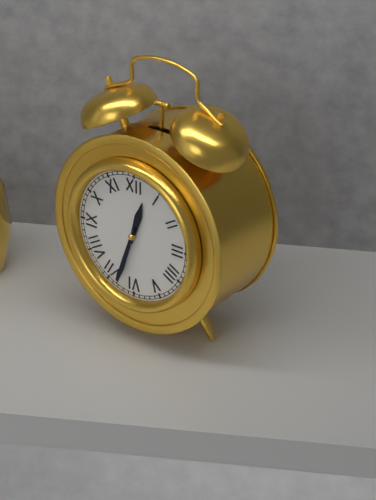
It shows 12 h 33 min
